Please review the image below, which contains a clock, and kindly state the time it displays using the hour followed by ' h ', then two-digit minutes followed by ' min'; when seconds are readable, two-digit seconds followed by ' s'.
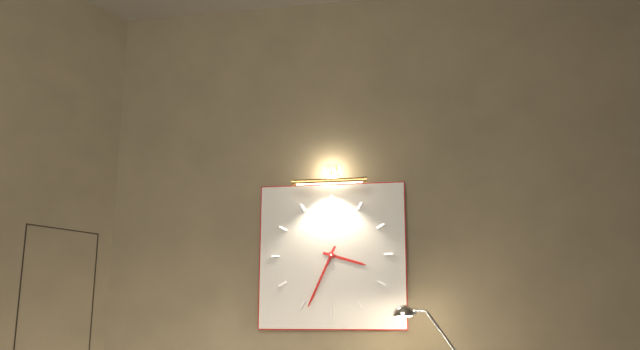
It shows 3 h 34 min
